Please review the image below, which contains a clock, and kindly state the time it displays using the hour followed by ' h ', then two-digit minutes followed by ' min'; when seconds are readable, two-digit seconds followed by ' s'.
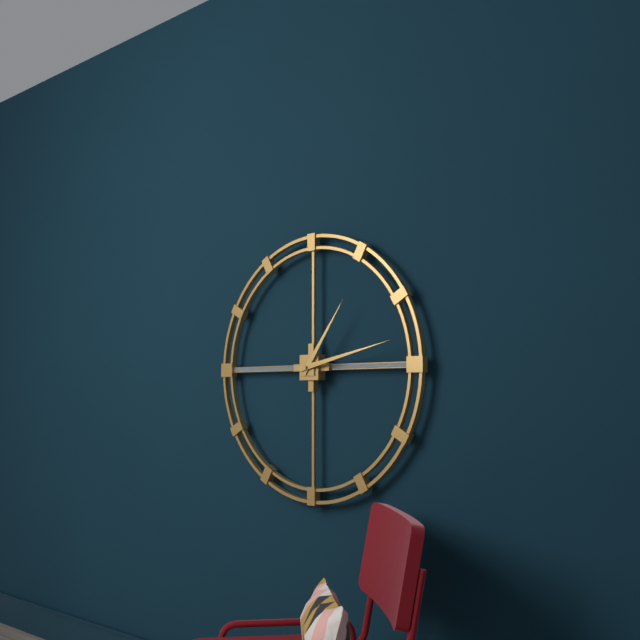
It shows 1 h 13 min
